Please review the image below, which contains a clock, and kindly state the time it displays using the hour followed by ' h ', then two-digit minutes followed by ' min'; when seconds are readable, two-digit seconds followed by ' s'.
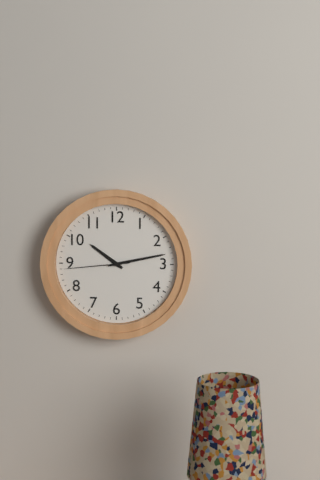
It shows 10 h 13 min 44 s
